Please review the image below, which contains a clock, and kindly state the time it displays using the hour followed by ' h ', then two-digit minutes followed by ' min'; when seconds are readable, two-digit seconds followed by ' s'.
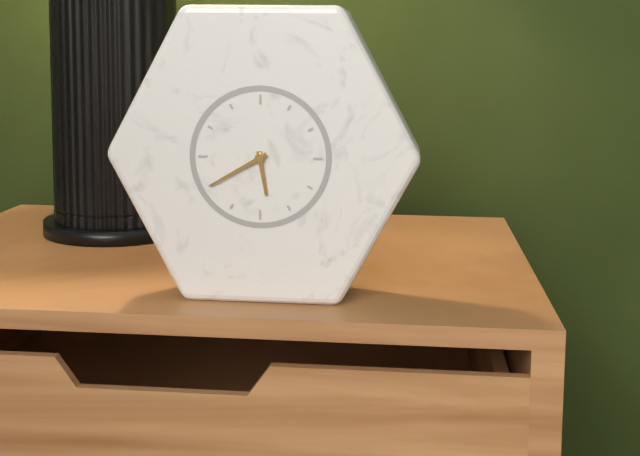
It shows 5 h 40 min
